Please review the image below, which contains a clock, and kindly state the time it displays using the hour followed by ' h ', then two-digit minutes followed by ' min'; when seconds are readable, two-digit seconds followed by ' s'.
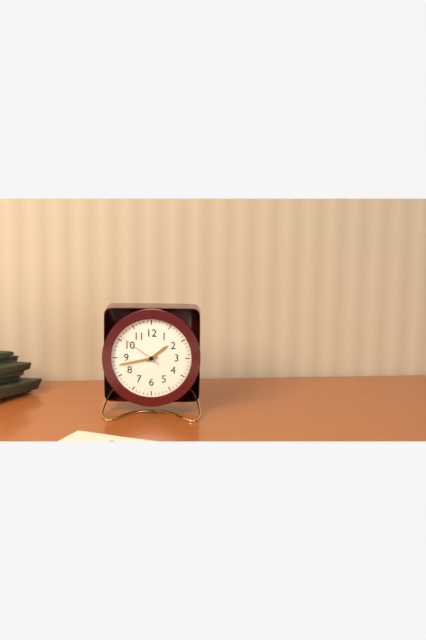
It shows 1 h 43 min
